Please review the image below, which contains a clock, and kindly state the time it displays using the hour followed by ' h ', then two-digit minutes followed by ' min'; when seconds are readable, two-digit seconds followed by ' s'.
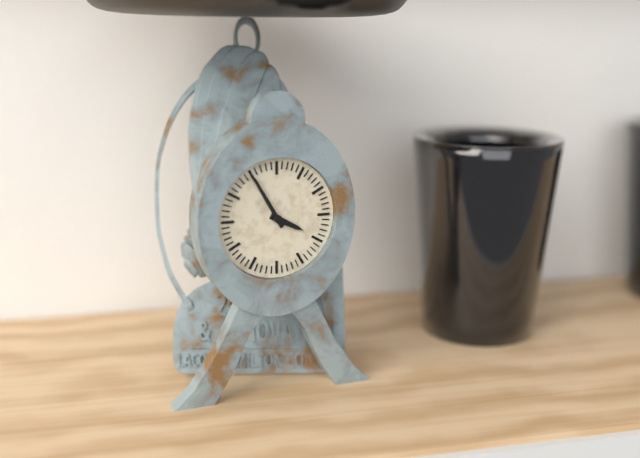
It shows 3 h 55 min
